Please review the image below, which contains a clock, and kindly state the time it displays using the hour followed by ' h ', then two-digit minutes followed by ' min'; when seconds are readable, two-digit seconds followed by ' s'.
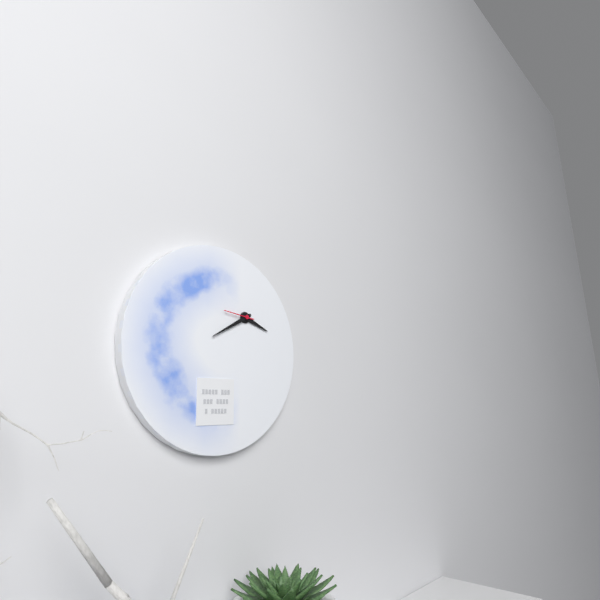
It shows 3 h 40 min
